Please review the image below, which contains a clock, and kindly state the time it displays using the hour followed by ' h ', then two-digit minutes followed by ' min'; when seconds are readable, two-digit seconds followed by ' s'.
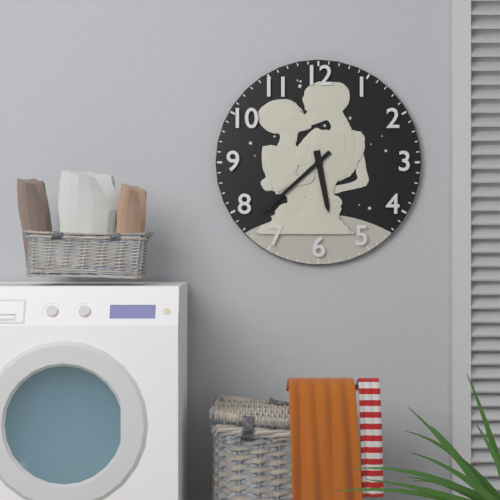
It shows 5 h 38 min
